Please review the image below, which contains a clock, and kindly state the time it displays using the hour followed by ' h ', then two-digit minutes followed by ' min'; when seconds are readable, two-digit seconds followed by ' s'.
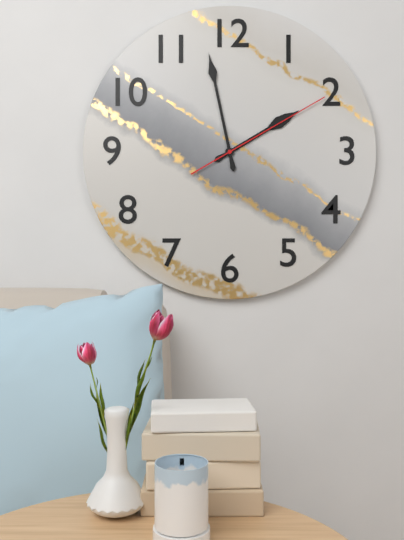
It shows 1 h 58 min 10 s
